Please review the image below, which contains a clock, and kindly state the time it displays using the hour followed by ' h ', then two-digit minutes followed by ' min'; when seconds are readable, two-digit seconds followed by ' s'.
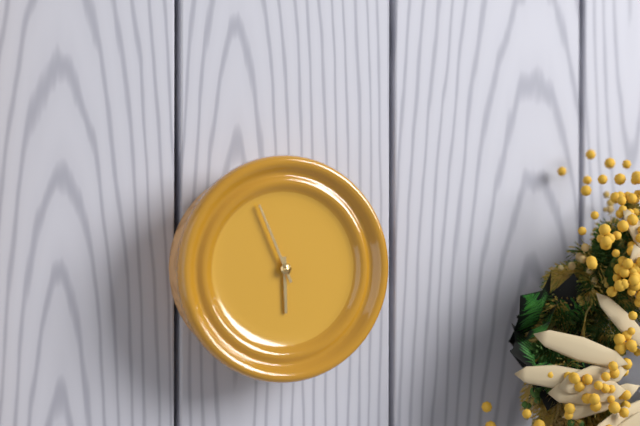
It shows 5 h 56 min
